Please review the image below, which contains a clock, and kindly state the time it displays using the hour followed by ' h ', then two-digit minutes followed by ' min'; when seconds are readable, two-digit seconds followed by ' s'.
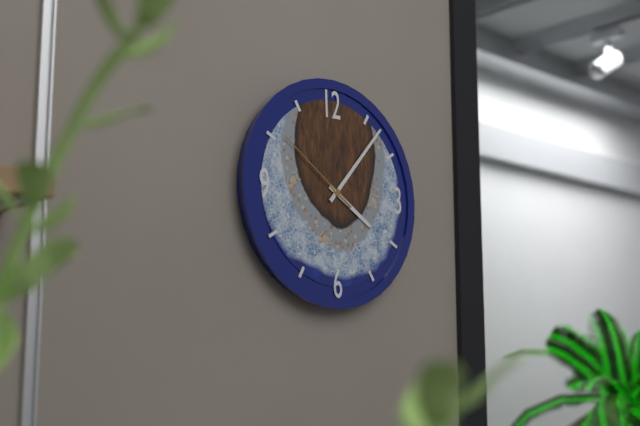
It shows 4 h 07 min 51 s
